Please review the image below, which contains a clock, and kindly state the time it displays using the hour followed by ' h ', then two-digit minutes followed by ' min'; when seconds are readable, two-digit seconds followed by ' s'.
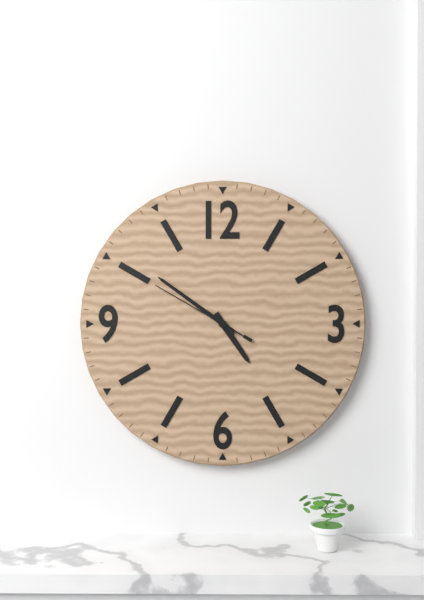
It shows 4 h 51 min 50 s
